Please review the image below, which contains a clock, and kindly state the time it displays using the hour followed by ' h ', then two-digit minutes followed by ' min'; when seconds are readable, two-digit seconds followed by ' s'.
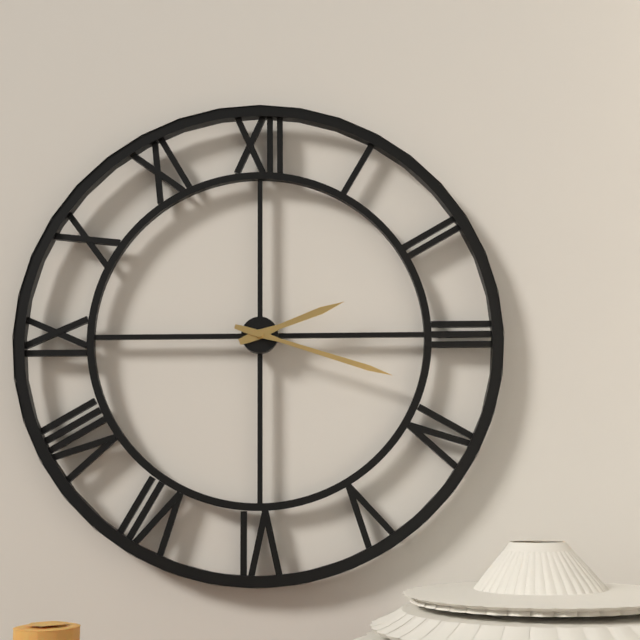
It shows 2 h 18 min
